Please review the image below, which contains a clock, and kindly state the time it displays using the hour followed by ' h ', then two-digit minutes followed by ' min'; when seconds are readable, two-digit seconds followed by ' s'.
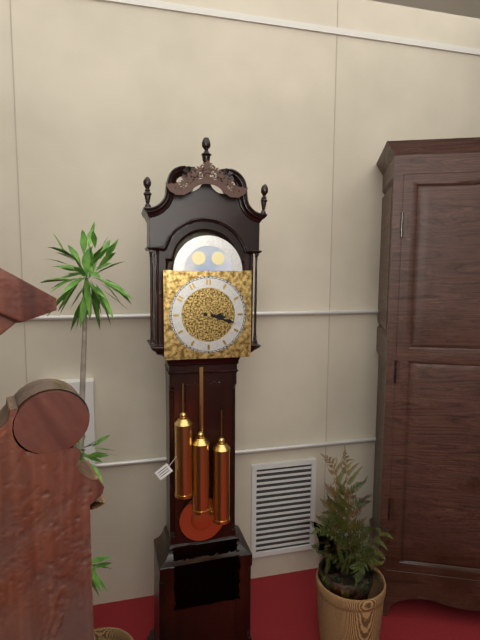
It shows 3 h 18 min
